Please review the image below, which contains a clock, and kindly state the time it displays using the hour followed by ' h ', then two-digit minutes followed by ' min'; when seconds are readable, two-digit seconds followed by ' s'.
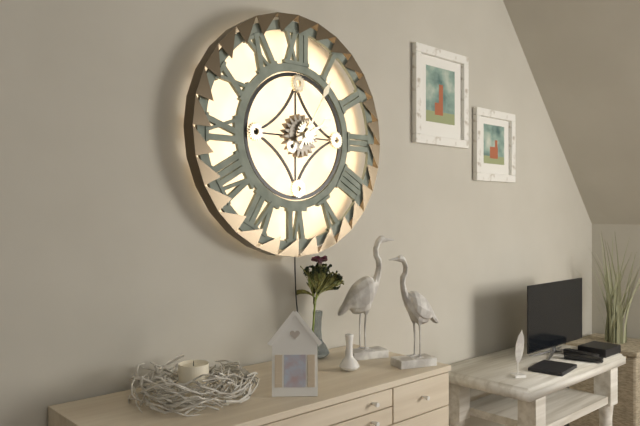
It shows 2 h 05 min
